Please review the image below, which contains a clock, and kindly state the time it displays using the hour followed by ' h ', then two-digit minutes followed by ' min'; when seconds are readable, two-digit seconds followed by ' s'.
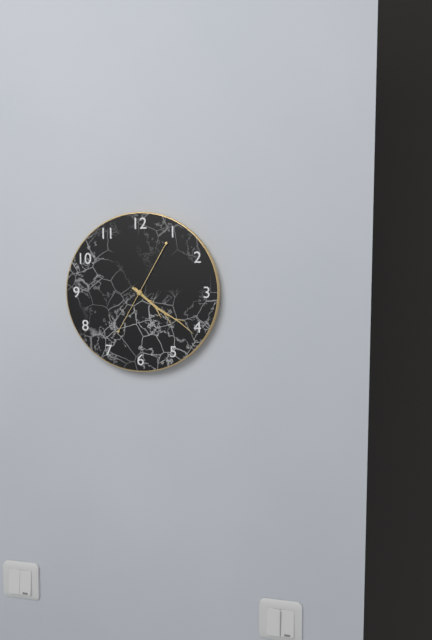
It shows 4 h 21 min 05 s
